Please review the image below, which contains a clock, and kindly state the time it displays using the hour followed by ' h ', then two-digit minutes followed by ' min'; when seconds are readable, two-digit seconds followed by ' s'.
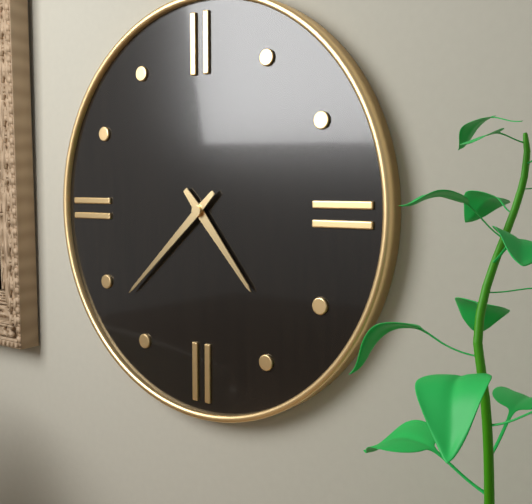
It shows 4 h 38 min
